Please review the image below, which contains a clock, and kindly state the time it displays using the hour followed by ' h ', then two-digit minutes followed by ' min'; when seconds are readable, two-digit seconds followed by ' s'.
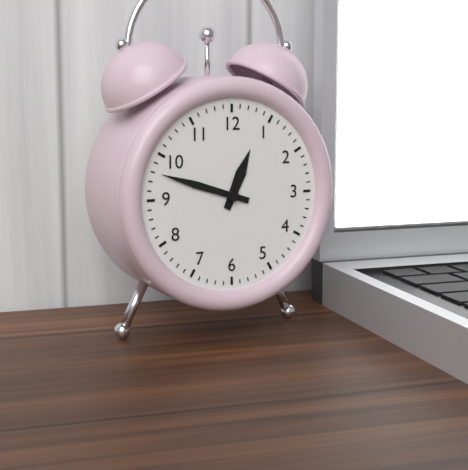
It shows 12 h 48 min
